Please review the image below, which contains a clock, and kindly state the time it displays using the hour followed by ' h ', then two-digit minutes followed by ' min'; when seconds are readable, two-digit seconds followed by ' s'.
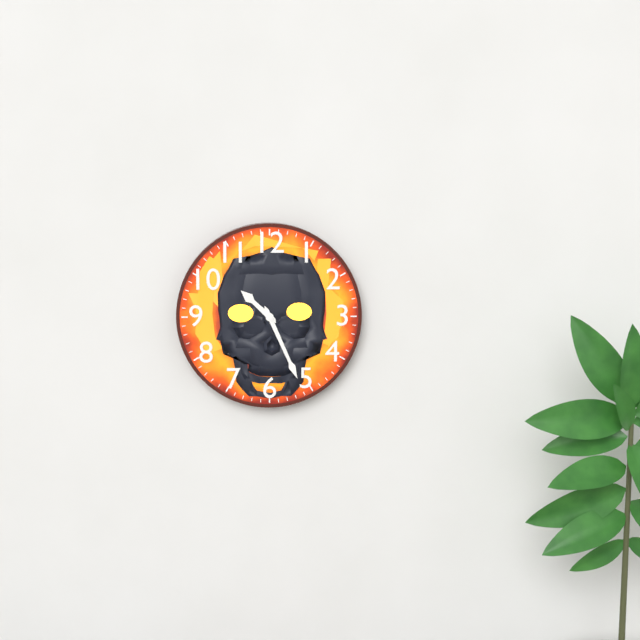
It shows 10 h 26 min
